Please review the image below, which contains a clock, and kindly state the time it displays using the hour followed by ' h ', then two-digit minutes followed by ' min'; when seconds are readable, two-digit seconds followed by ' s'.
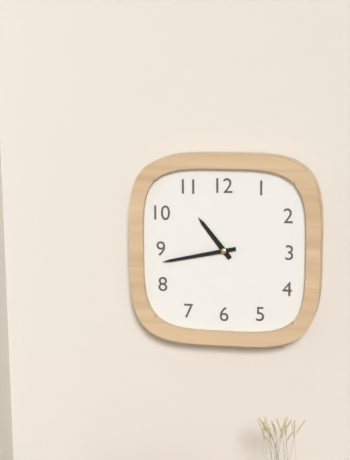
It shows 10 h 43 min
